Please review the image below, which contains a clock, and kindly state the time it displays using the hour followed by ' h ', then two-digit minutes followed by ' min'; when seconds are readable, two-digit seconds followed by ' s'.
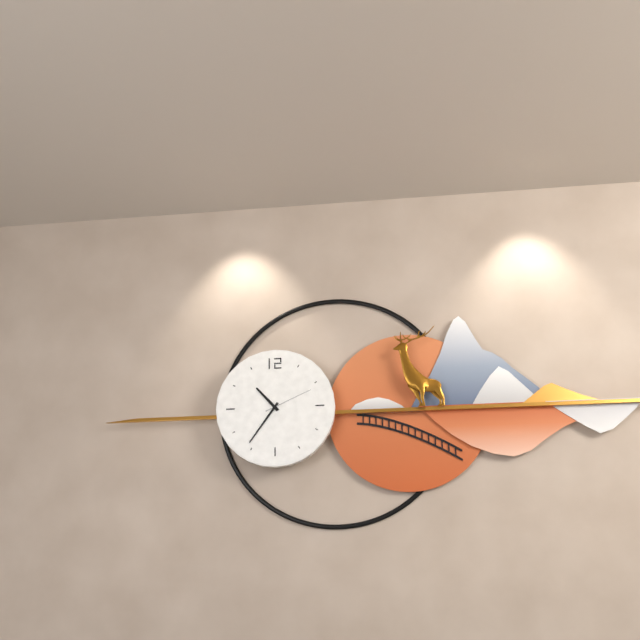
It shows 10 h 36 min 11 s
